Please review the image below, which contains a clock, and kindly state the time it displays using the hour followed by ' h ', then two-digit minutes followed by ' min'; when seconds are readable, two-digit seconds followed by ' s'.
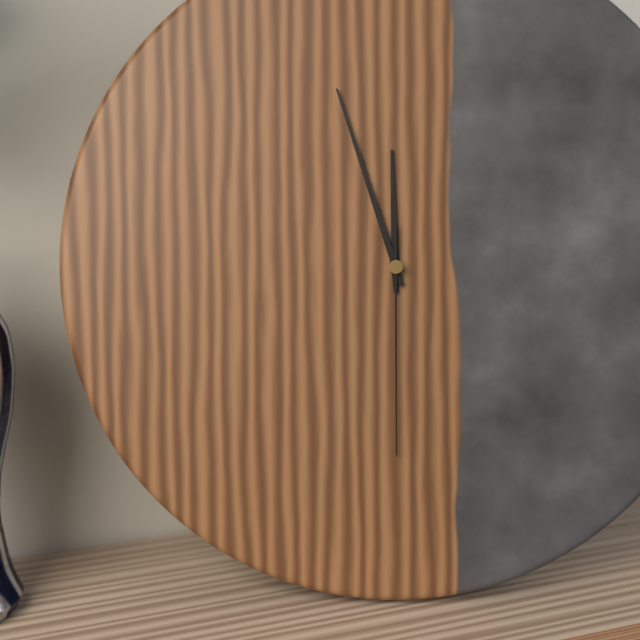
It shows 11 h 57 min 30 s
